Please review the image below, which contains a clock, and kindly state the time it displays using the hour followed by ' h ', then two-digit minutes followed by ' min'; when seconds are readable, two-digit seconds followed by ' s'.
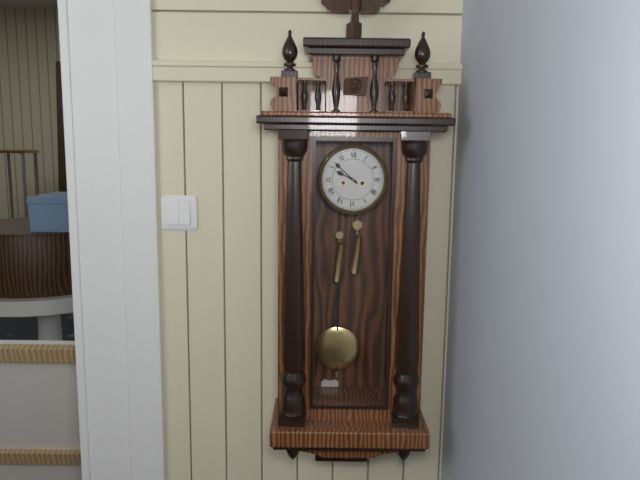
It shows 9 h 52 min
